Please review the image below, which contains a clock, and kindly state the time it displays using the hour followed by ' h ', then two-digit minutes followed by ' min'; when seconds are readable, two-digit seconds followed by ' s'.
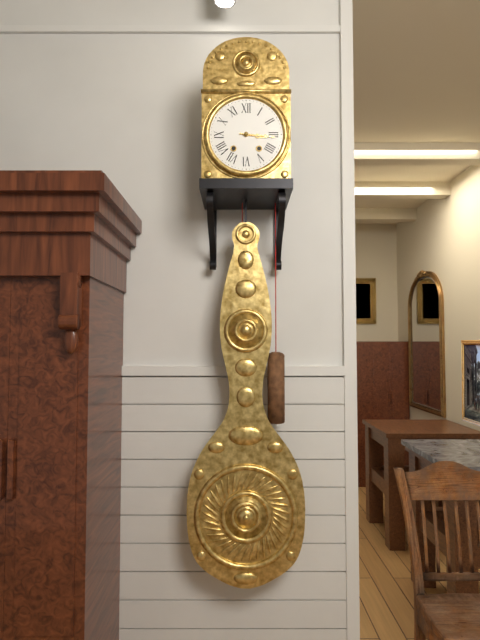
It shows 3 h 16 min
